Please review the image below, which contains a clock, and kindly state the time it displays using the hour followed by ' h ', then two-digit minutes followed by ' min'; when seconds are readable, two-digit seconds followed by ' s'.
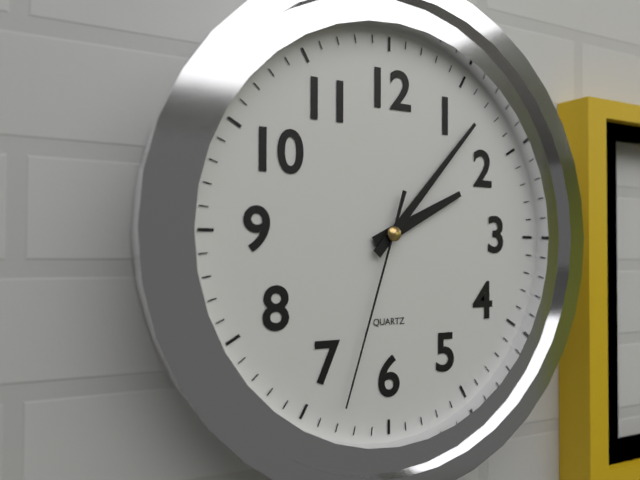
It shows 2 h 07 min 33 s
